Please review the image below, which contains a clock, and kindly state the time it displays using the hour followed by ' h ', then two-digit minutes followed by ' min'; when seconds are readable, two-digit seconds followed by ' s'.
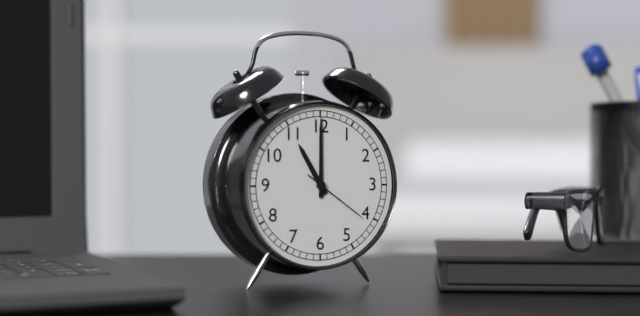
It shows 11 h 00 min 21 s
